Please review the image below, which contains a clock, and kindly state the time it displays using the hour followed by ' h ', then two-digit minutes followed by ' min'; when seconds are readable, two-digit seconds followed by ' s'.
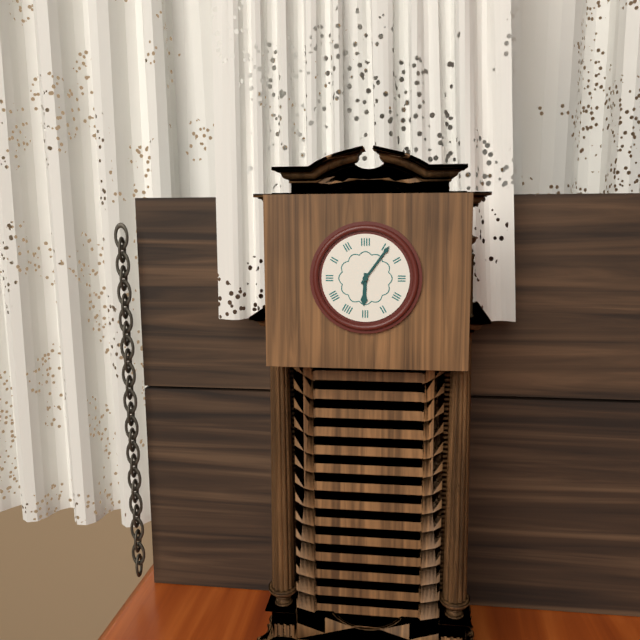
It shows 6 h 06 min
